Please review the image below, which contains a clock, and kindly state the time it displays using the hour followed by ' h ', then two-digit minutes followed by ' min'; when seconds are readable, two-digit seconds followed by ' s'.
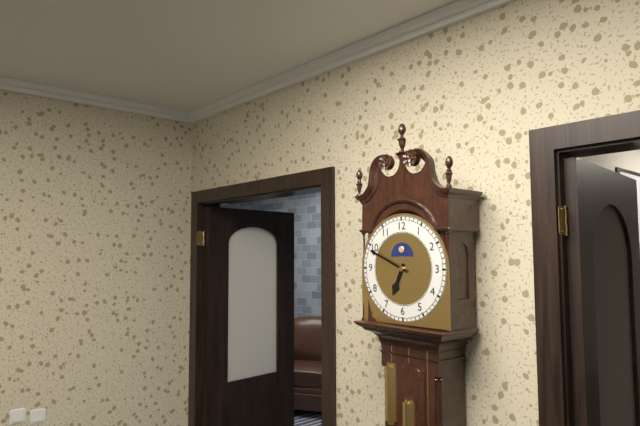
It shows 6 h 49 min
